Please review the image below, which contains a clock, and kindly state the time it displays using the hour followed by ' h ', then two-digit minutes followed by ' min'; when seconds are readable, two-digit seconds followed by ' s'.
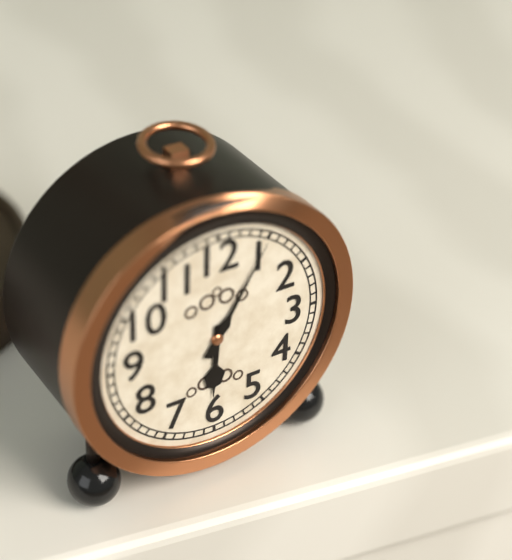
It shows 6 h 05 min
